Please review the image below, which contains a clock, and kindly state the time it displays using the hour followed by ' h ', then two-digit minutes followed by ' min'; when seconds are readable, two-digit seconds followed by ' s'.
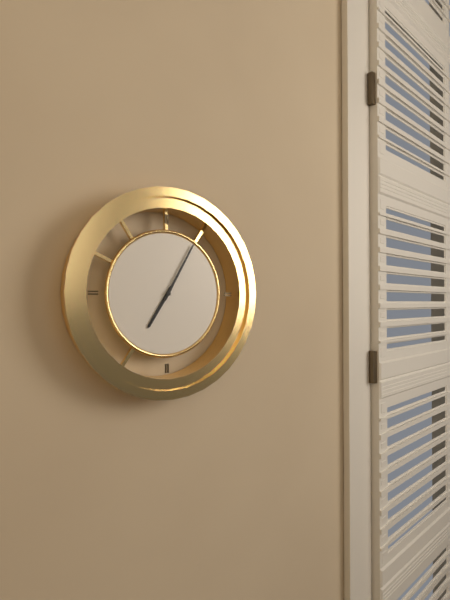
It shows 7 h 05 min
